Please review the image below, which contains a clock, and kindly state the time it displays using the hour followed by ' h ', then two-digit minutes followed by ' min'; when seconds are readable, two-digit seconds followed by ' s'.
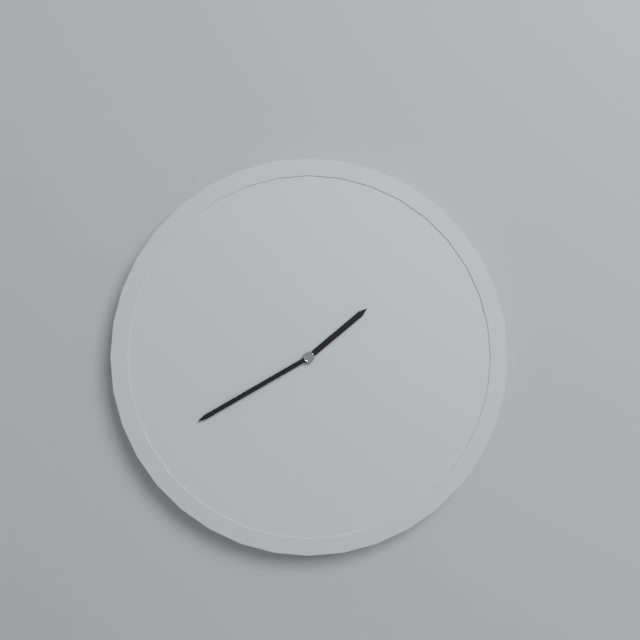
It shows 1 h 40 min
